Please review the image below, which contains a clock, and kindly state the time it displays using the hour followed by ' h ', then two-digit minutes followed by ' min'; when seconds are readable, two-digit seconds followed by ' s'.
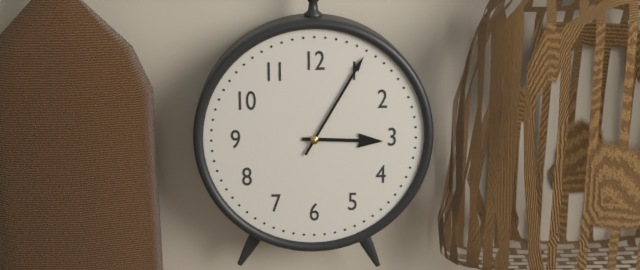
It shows 3 h 05 min
